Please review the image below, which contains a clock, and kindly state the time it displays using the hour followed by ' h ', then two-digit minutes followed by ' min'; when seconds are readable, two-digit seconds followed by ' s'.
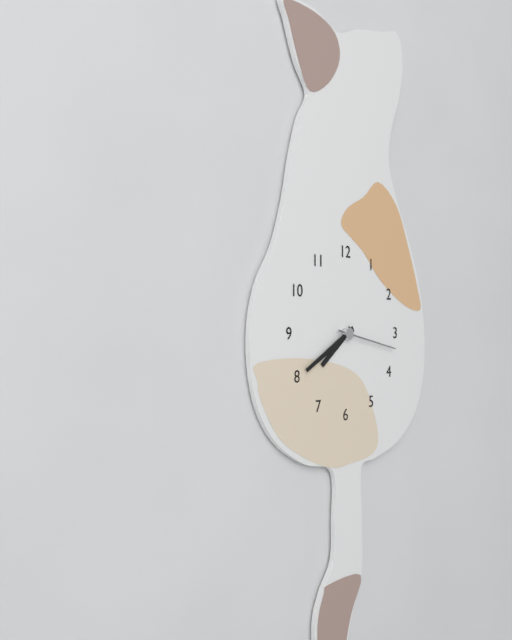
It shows 7 h 40 min 17 s
